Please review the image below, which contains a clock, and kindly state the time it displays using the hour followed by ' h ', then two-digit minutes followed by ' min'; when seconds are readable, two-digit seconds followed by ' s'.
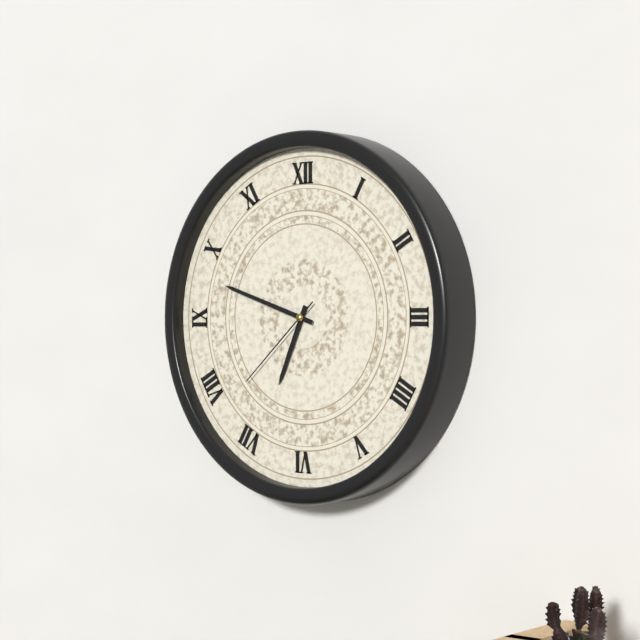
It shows 6 h 48 min 38 s
